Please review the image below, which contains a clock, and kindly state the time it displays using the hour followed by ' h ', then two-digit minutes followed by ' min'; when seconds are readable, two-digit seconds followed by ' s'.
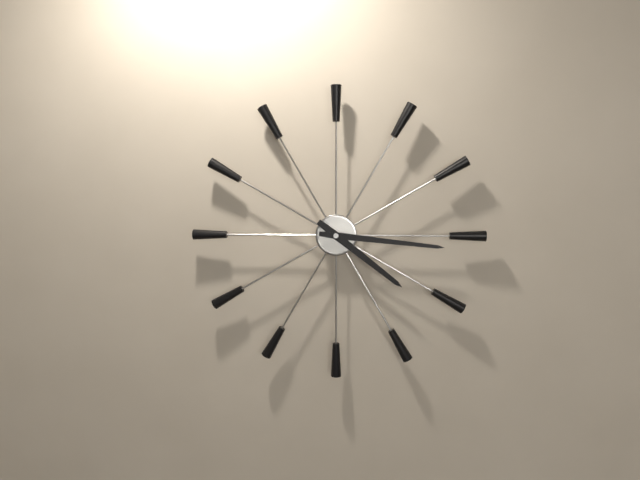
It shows 4 h 16 min
